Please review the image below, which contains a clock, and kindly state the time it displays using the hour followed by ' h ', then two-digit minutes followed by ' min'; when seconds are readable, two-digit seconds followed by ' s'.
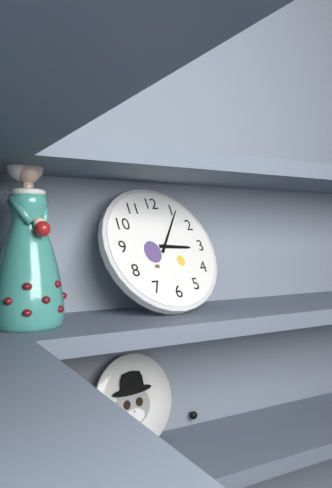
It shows 3 h 06 min
